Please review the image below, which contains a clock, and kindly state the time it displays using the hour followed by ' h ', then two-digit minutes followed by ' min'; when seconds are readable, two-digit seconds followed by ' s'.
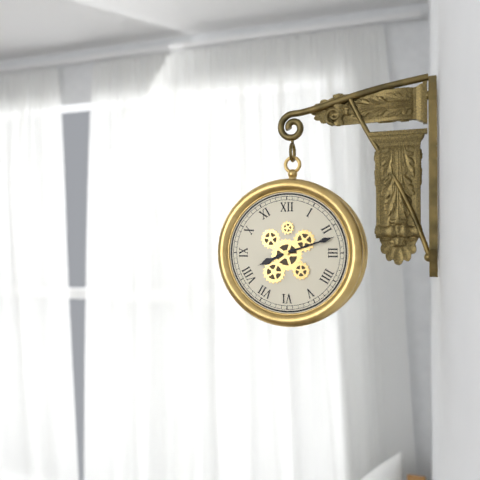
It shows 8 h 12 min
